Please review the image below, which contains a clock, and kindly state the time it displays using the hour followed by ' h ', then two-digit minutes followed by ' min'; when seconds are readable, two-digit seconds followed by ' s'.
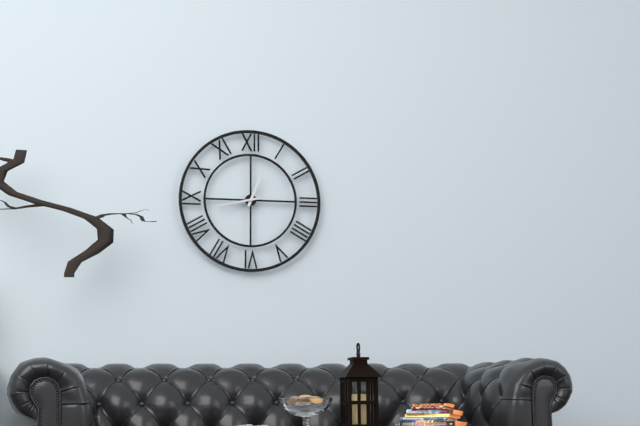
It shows 12 h 43 min
